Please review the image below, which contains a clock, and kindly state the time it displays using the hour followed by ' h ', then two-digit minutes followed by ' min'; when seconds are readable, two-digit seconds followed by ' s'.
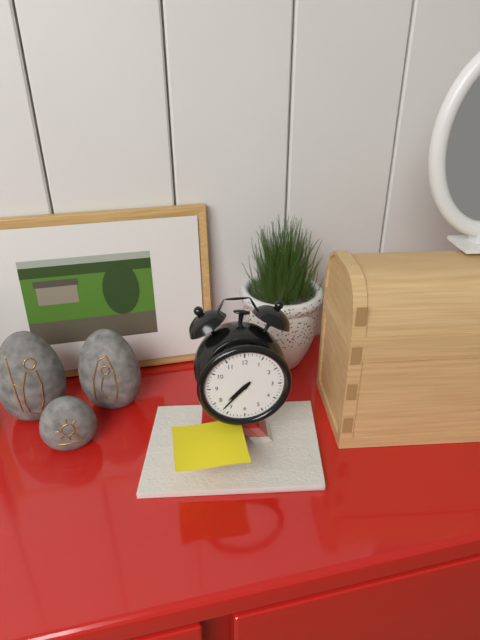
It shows 7 h 37 min
